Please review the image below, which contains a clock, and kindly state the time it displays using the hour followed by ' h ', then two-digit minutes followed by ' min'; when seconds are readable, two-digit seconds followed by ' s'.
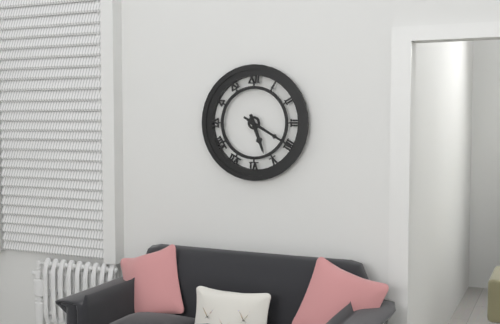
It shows 5 h 20 min
